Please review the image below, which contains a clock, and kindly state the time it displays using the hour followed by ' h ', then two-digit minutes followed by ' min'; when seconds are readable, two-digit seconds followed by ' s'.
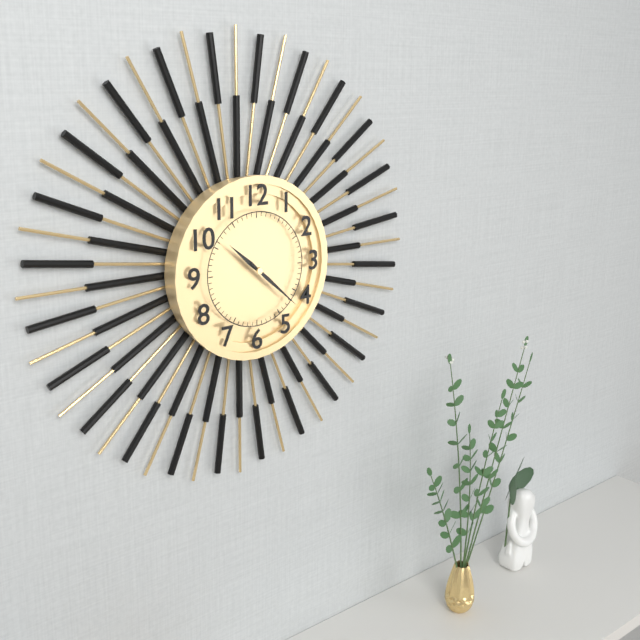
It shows 10 h 22 min
